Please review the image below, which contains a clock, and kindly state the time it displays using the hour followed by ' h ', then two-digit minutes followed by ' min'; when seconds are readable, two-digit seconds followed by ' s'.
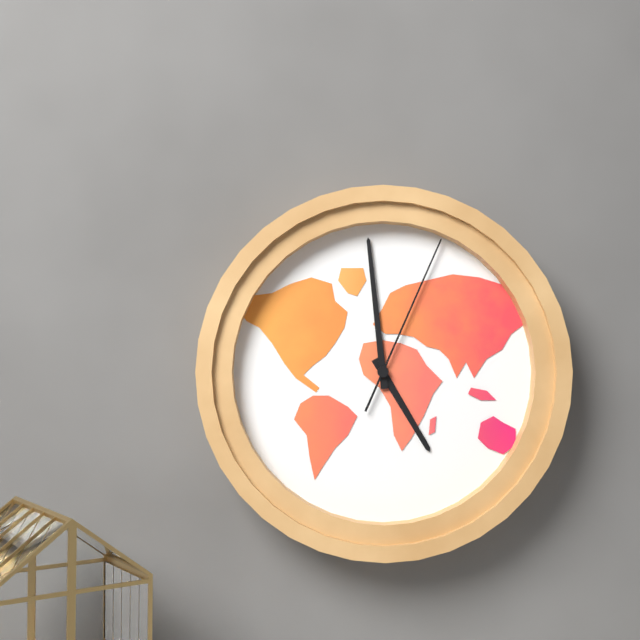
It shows 4 h 59 min 04 s
